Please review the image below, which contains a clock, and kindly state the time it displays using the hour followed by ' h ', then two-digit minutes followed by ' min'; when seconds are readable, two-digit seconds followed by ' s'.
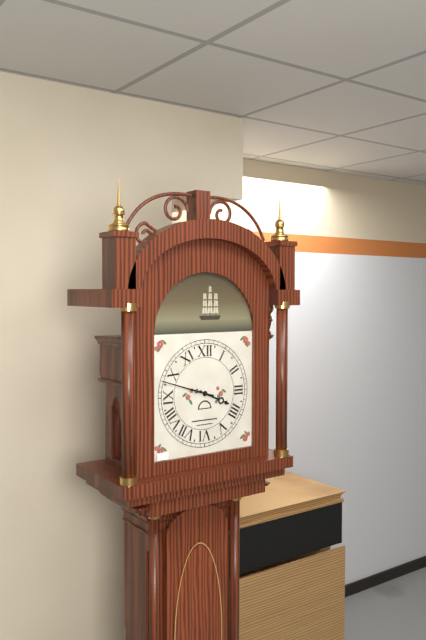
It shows 3 h 48 min
